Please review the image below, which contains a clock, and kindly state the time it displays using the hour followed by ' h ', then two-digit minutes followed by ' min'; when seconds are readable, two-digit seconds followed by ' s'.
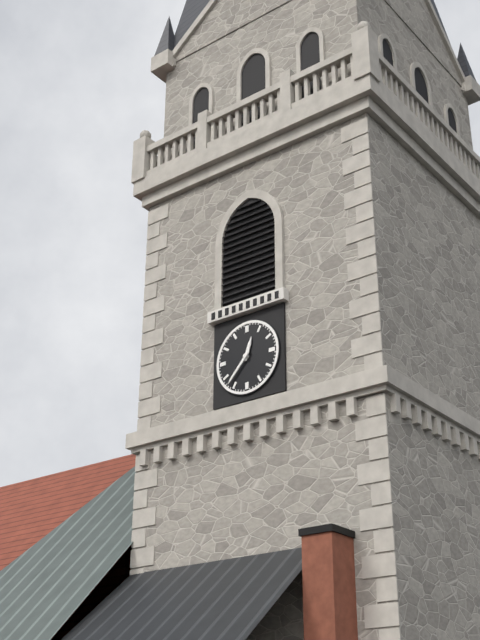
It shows 12 h 37 min
